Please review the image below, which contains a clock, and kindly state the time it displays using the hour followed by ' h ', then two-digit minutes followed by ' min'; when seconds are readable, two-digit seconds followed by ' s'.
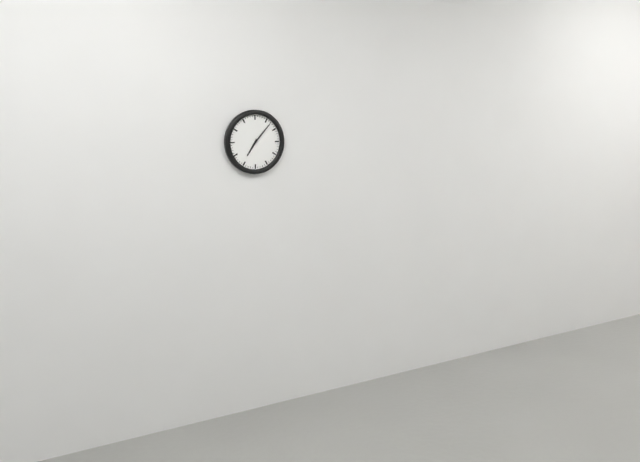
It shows 7 h 07 min
